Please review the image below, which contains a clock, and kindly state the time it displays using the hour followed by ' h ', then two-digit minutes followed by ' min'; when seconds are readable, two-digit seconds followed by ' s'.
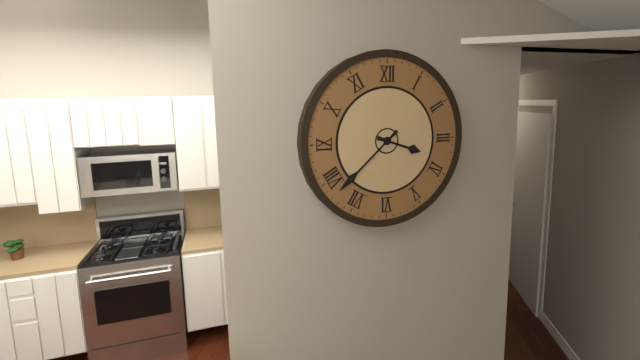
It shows 3 h 38 min
